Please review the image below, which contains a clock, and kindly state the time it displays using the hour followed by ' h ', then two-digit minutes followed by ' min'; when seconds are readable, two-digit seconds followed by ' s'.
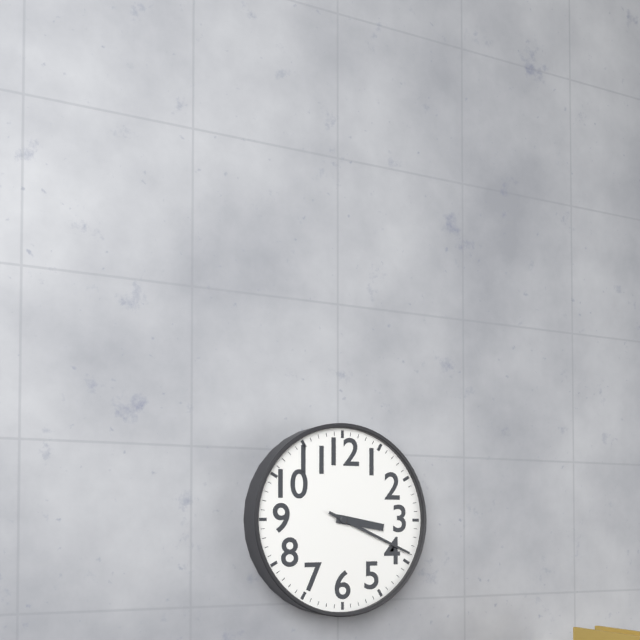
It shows 3 h 19 min
